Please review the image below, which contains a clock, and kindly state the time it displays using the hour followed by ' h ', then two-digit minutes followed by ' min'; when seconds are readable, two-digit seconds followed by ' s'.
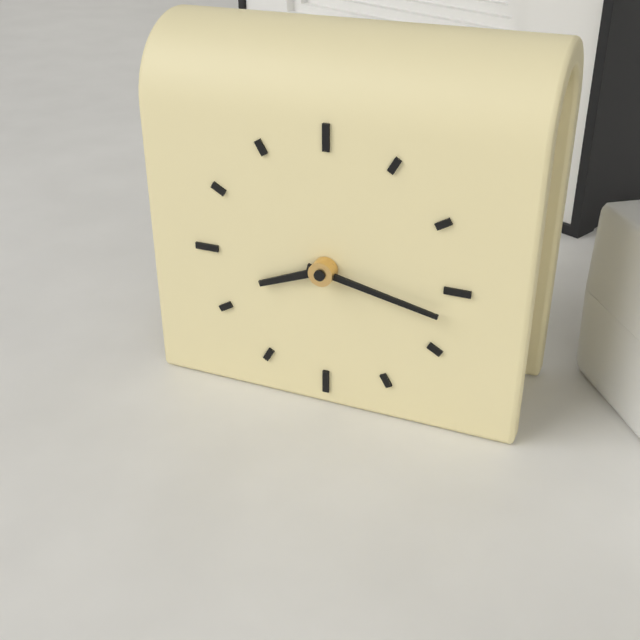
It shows 8 h 17 min
